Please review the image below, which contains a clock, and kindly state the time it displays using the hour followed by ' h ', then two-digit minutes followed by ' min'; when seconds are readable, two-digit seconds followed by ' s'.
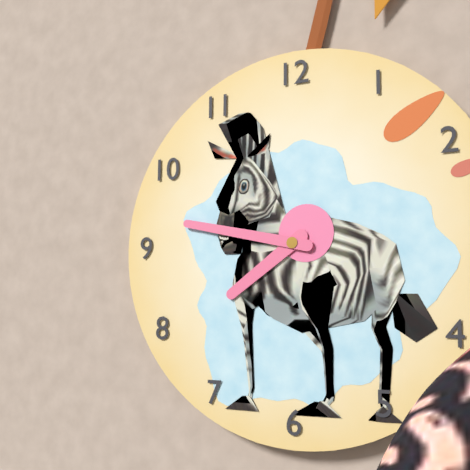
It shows 7 h 47 min
